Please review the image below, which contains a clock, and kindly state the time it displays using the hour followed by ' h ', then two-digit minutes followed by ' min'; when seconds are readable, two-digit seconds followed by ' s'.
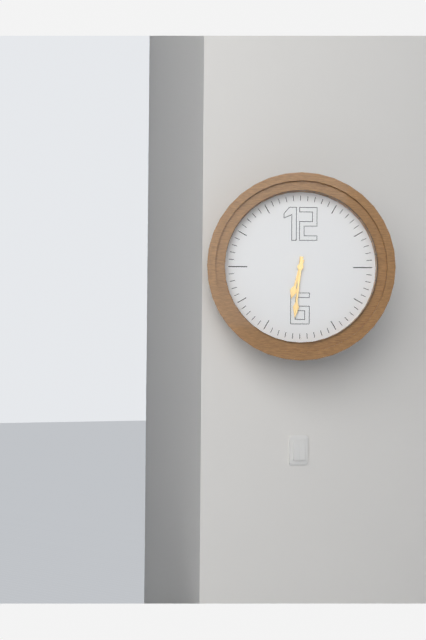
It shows 6 h 31 min
